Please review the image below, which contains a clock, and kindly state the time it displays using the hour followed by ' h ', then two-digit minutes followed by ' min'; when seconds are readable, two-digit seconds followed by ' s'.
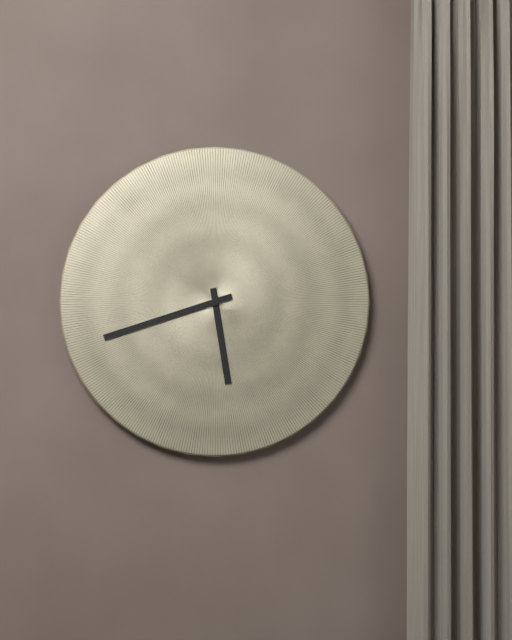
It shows 5 h 42 min
